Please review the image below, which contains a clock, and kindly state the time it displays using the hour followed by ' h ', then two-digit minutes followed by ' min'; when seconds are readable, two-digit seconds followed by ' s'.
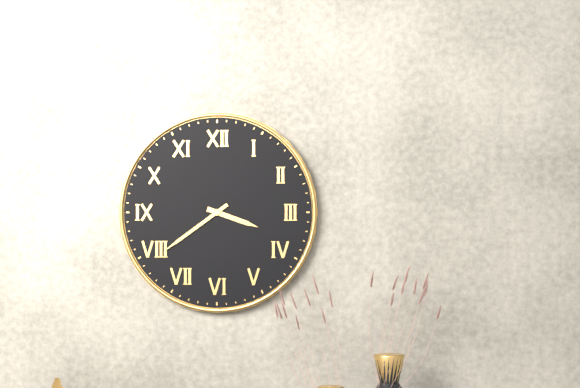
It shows 3 h 39 min
